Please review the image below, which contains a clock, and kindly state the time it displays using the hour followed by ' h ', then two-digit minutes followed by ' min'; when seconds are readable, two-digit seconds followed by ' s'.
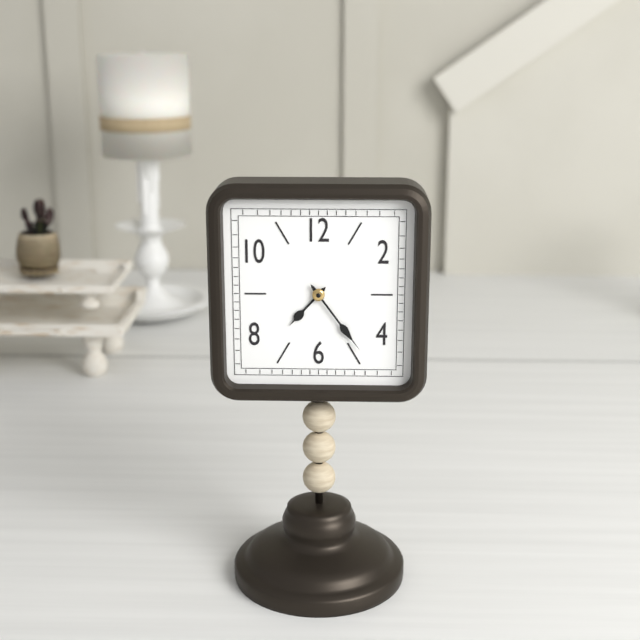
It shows 7 h 24 min
